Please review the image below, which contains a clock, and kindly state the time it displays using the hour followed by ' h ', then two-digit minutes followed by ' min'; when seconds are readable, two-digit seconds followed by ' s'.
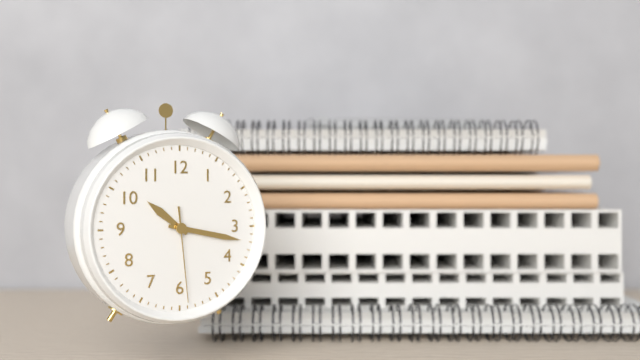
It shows 10 h 17 min 29 s
